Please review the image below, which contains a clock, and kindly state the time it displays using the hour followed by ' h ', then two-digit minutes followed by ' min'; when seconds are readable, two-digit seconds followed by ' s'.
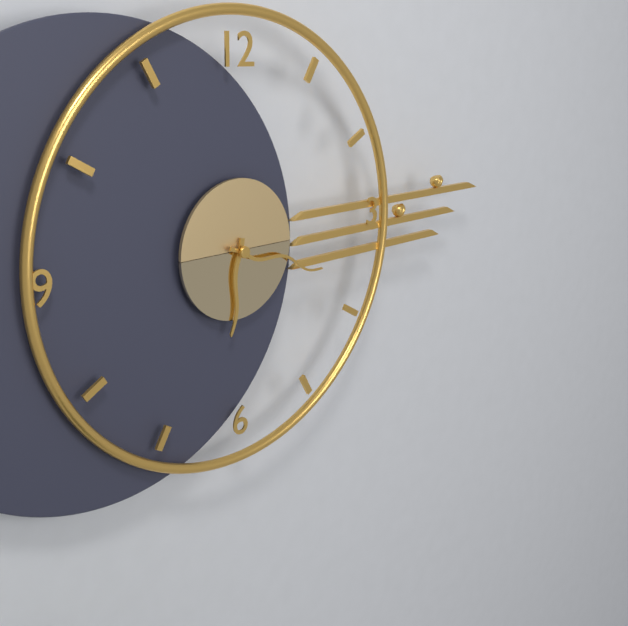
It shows 6 h 18 min
